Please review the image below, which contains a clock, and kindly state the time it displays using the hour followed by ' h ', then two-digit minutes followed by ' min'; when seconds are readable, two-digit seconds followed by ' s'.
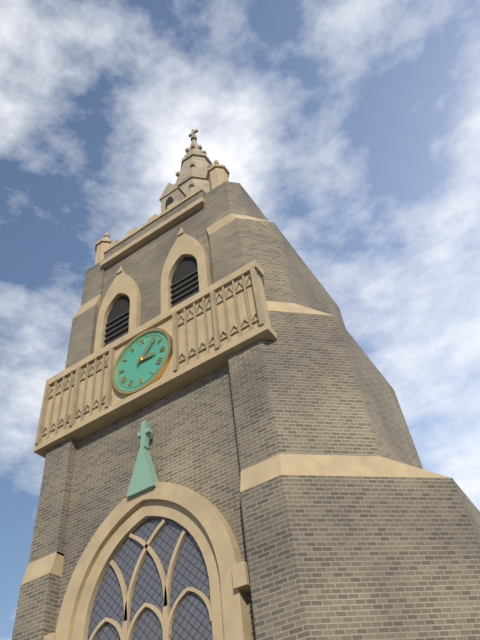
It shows 3 h 07 min
